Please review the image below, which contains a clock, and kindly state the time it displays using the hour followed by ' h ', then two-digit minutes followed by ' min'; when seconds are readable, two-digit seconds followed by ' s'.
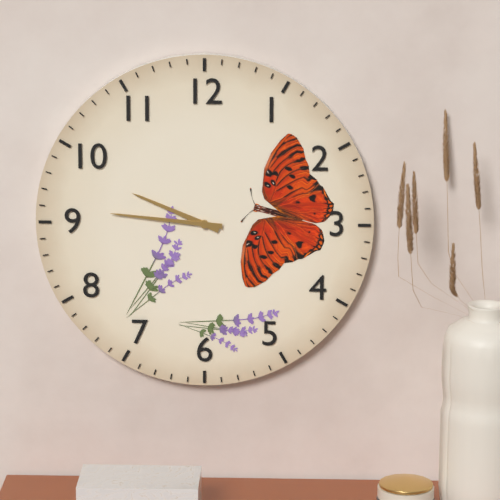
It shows 9 h 46 min
